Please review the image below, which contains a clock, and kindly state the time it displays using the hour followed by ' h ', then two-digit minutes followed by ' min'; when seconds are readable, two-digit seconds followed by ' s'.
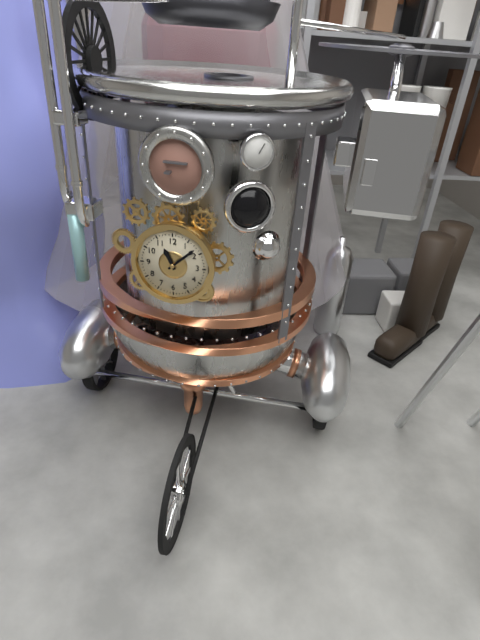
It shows 11 h 08 min
